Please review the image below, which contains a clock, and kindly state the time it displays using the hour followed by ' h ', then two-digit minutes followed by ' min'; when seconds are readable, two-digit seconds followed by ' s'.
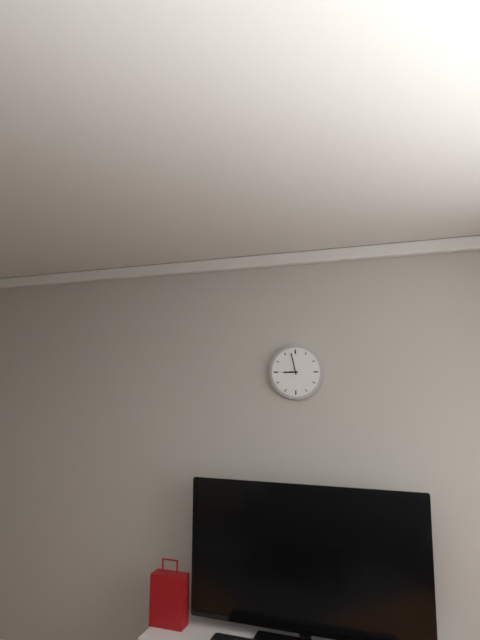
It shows 8 h 58 min
